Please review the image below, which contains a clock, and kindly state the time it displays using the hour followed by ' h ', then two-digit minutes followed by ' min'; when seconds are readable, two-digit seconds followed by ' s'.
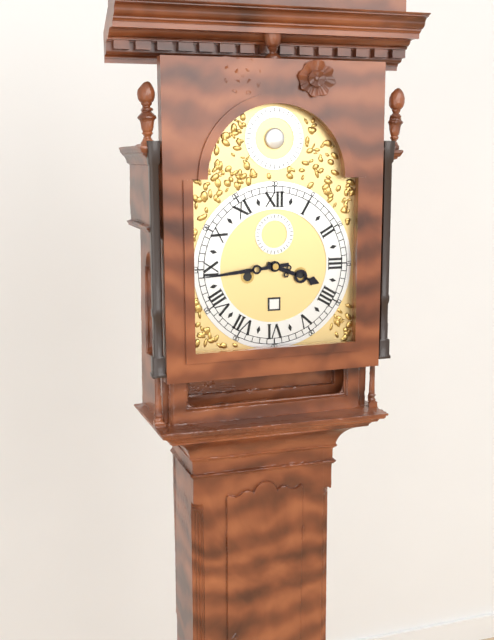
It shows 3 h 44 min
